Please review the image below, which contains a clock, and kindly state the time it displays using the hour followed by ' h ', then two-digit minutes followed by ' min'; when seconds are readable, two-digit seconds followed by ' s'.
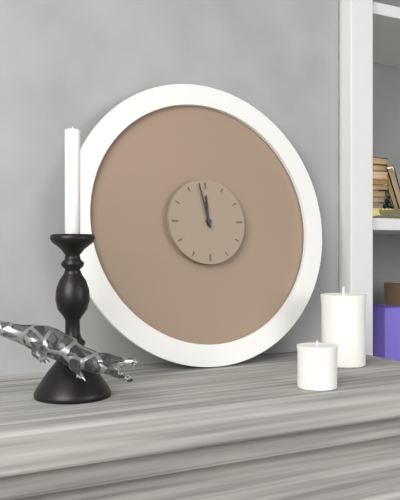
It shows 11 h 58 min
